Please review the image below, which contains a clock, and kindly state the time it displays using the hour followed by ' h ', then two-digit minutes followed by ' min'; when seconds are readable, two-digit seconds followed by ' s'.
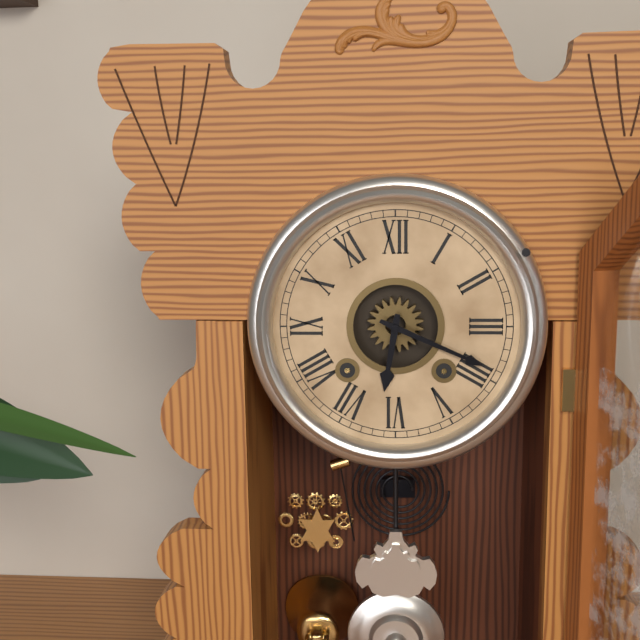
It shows 6 h 19 min
